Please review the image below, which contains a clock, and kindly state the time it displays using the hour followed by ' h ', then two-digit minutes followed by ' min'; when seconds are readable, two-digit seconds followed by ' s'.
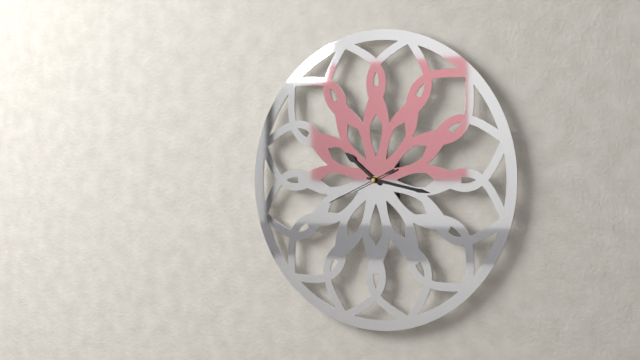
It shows 10 h 17 min 41 s
